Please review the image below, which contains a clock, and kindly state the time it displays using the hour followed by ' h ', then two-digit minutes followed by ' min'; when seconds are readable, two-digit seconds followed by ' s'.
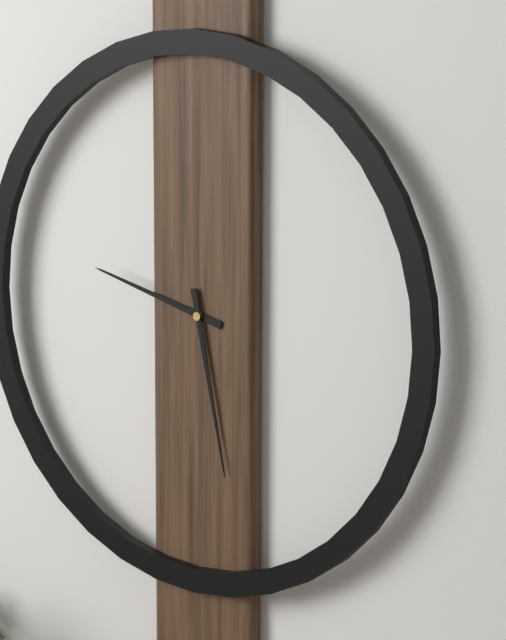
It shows 9 h 28 min
